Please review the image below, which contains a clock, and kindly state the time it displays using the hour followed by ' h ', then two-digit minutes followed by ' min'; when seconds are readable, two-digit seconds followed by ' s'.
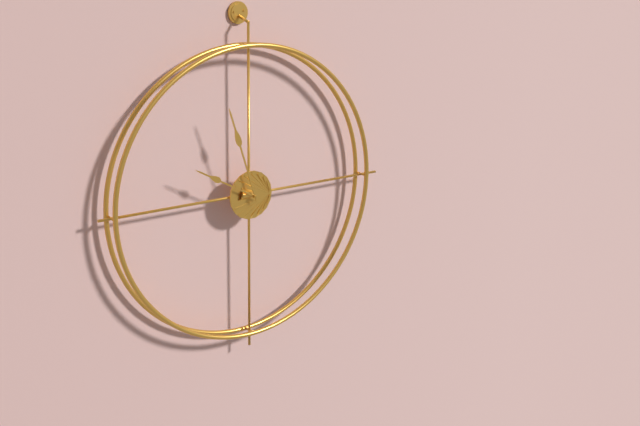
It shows 9 h 57 min
